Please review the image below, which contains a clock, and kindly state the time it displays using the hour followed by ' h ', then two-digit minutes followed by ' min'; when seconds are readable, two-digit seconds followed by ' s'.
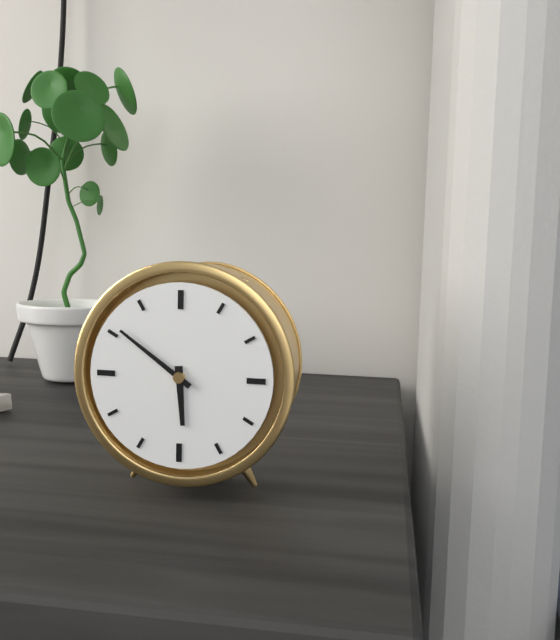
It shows 5 h 51 min
